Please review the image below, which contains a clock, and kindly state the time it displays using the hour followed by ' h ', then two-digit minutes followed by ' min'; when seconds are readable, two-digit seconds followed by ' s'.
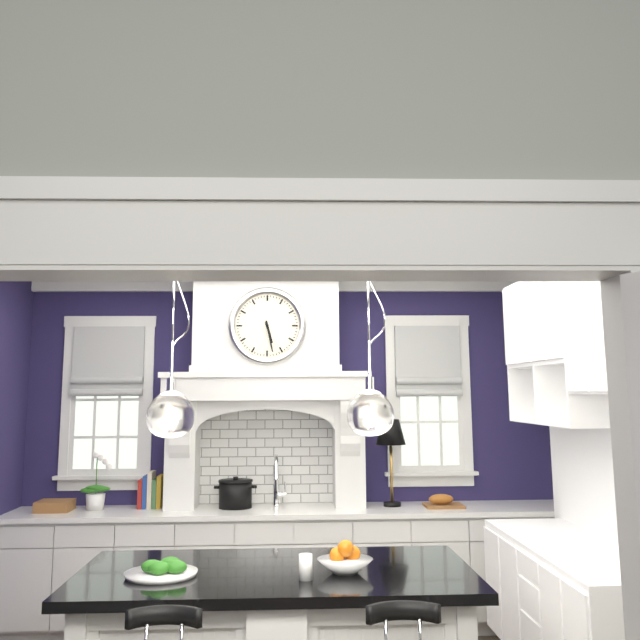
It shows 5 h 28 min
